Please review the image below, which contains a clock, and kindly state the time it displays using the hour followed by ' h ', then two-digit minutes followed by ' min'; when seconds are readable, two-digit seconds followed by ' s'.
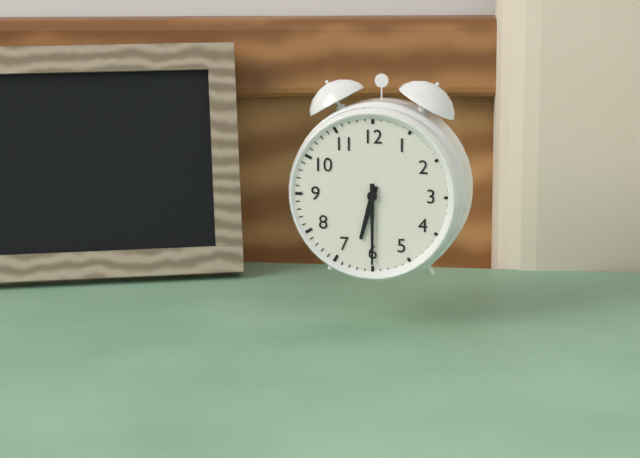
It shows 6 h 30 min
